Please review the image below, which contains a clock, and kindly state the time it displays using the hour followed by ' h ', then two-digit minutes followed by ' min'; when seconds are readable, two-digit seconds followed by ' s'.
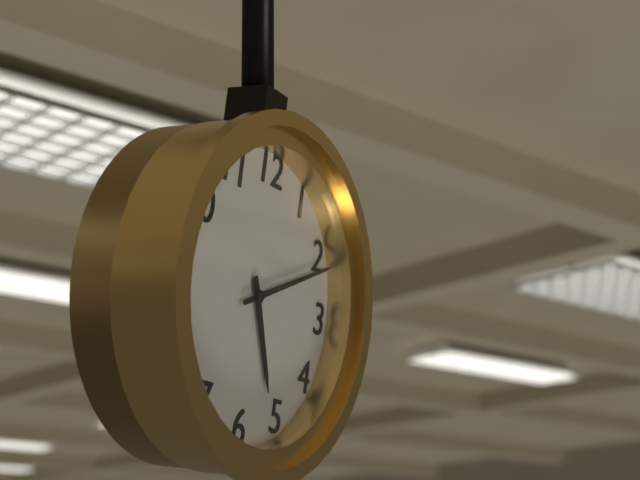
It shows 5 h 11 min
